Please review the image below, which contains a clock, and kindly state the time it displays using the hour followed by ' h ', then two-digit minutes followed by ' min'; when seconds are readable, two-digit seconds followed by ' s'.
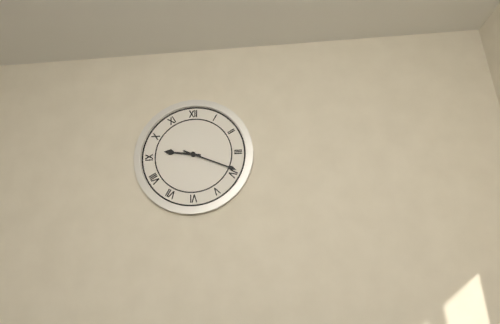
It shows 9 h 19 min
